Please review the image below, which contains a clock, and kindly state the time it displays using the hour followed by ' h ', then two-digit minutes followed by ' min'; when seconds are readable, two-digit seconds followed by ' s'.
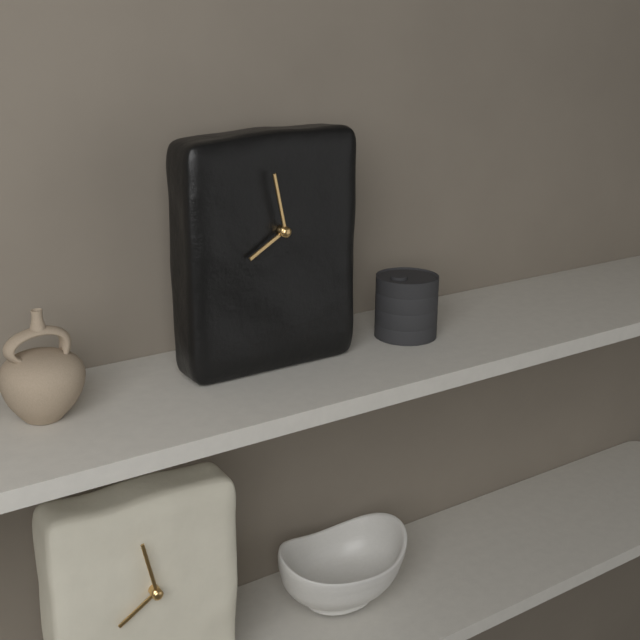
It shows 7 h 58 min
